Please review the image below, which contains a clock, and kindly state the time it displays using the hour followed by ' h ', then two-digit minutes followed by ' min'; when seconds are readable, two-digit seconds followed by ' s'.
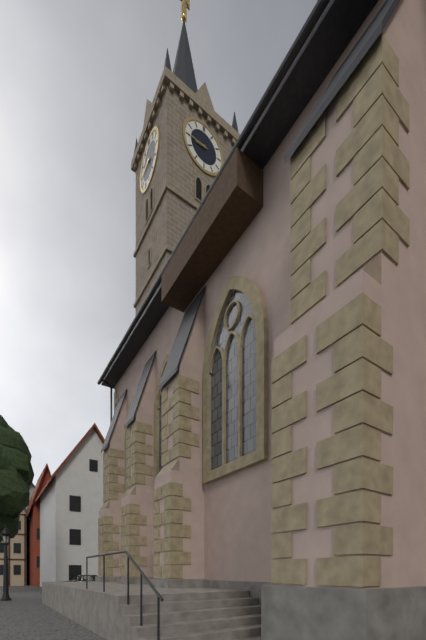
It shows 8 h 45 min
